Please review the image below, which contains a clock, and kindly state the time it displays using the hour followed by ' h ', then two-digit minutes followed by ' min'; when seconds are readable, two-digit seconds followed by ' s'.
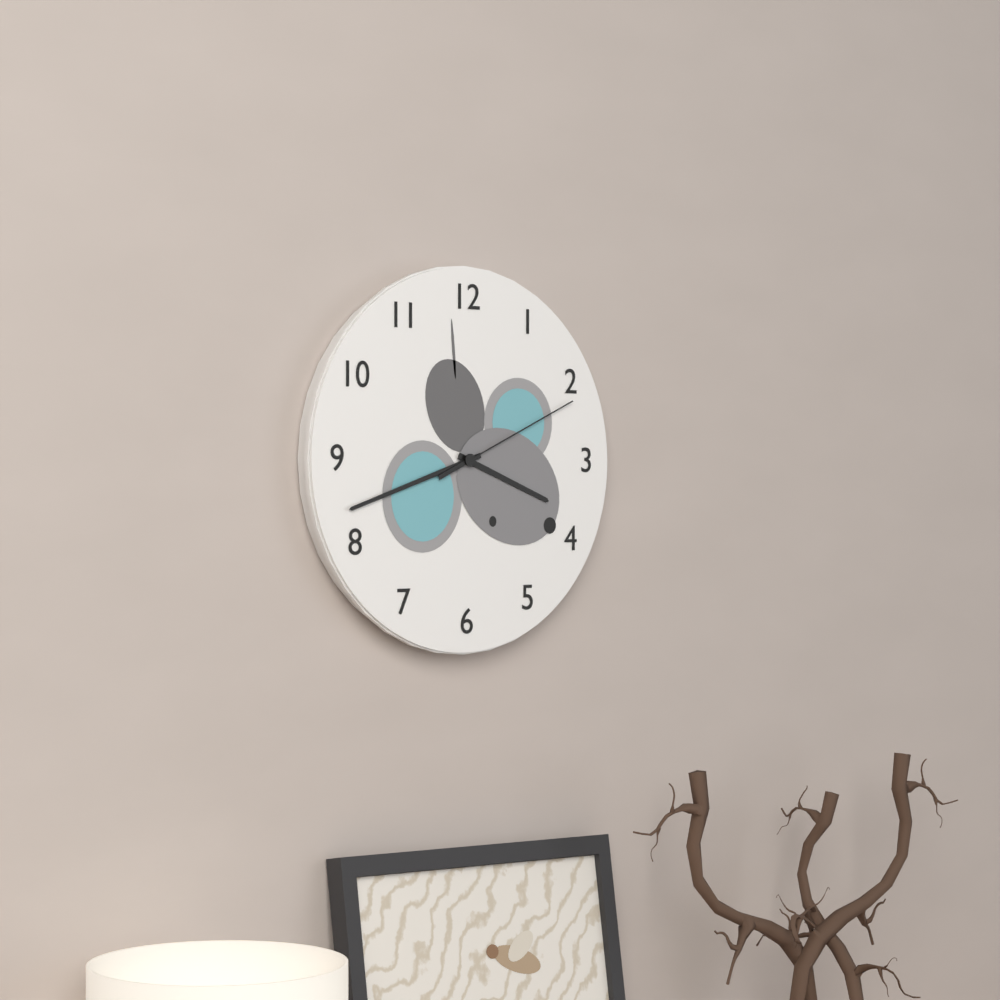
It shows 3 h 42 min 11 s
